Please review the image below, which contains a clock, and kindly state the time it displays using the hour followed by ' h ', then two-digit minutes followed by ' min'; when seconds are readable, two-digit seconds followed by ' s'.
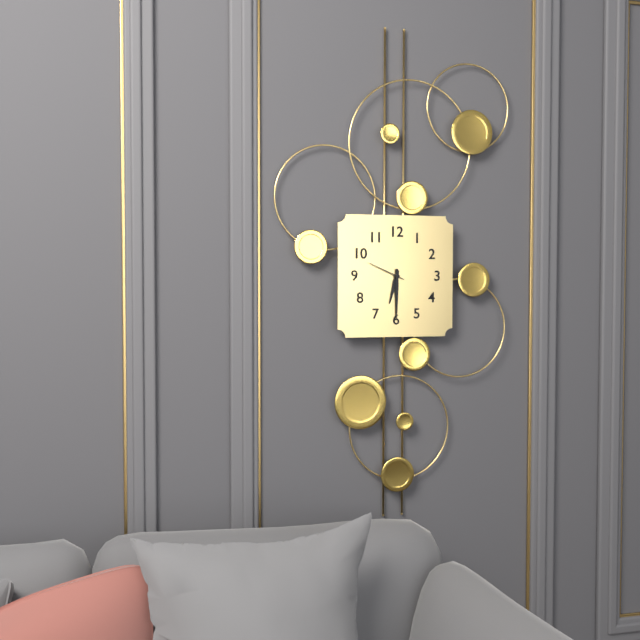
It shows 6 h 30 min
